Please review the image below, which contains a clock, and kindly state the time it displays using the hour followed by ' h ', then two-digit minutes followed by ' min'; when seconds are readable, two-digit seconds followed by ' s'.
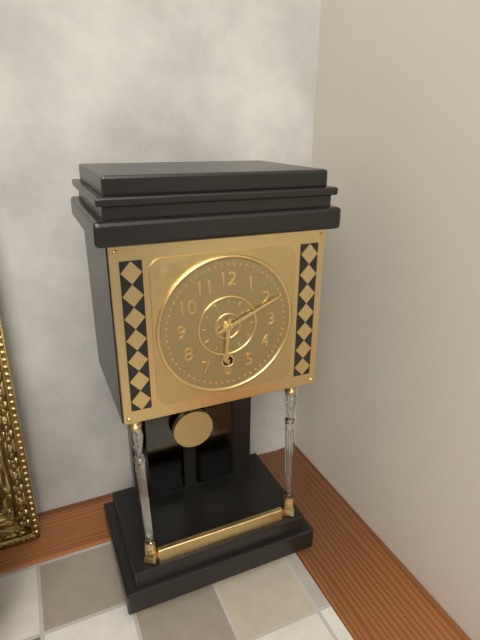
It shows 6 h 11 min
